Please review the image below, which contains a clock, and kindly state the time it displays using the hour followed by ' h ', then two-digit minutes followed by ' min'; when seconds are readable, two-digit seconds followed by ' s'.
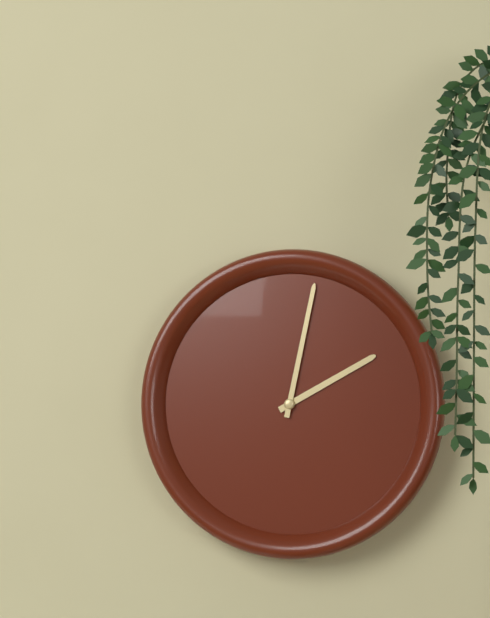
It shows 2 h 02 min
